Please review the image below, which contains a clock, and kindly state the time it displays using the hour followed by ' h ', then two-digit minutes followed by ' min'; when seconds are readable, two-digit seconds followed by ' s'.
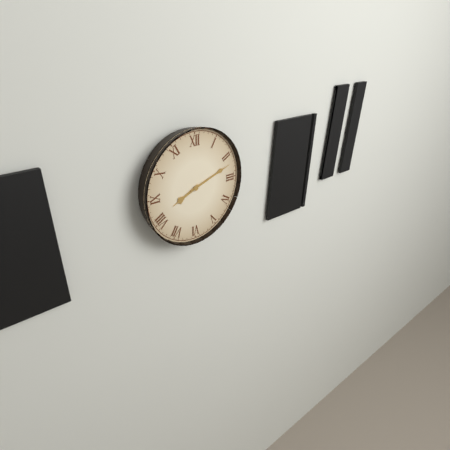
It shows 8 h 12 min
